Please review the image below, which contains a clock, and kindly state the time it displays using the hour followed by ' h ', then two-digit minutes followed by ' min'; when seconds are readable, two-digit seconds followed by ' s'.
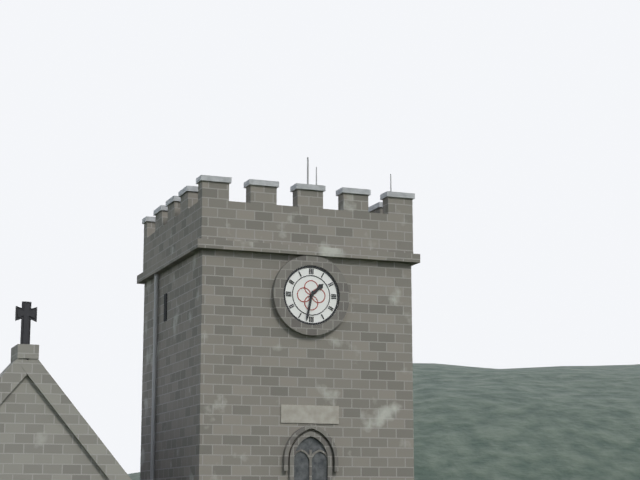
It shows 1 h 32 min
